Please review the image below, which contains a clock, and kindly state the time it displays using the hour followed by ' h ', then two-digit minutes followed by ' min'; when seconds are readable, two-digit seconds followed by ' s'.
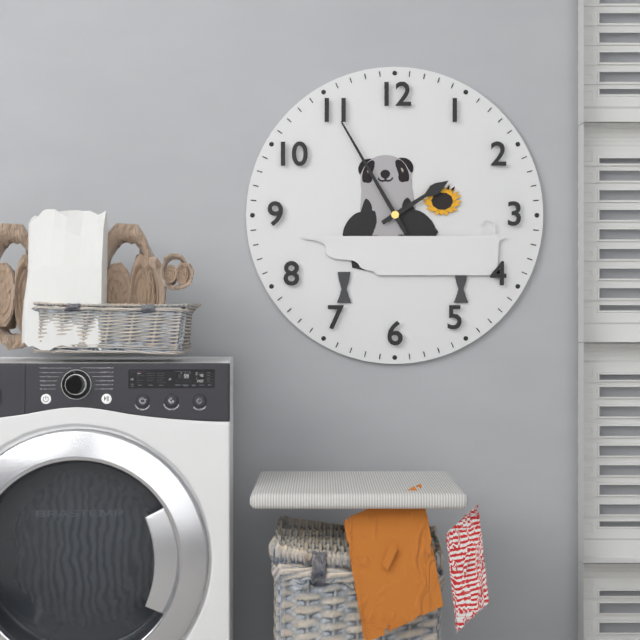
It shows 1 h 55 min
